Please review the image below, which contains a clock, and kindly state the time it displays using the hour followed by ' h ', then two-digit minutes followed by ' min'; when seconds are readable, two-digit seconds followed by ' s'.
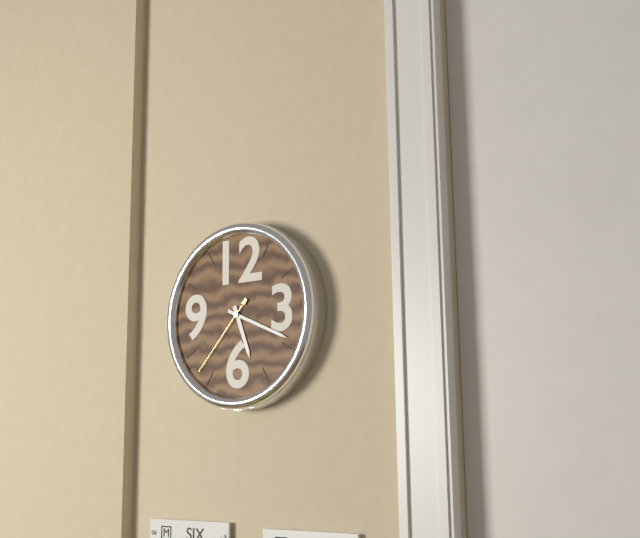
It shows 5 h 19 min 37 s
